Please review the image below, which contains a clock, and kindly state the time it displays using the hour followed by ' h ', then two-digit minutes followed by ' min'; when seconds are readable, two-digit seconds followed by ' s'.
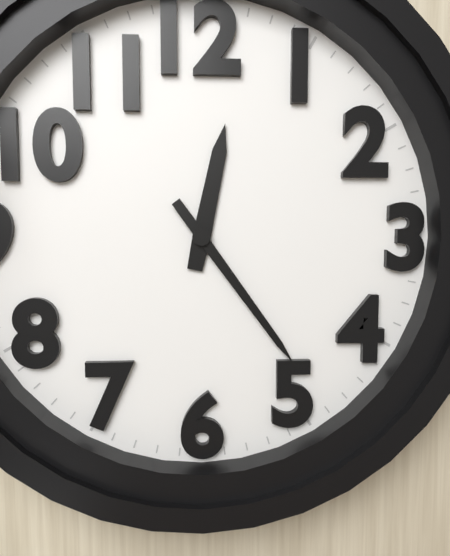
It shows 12 h 24 min
